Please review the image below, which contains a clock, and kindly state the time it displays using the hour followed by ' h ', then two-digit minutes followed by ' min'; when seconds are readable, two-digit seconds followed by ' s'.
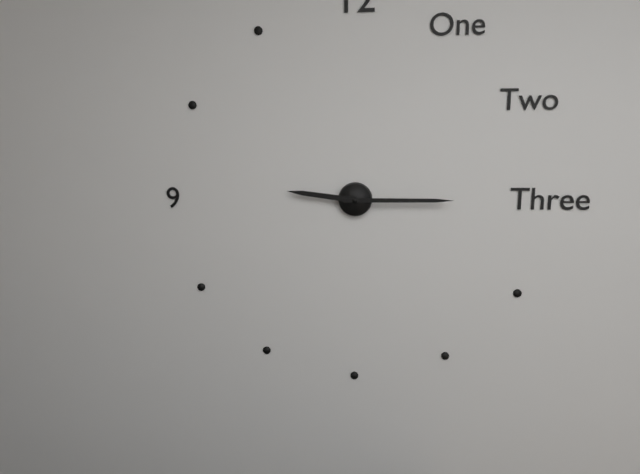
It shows 9 h 15 min
